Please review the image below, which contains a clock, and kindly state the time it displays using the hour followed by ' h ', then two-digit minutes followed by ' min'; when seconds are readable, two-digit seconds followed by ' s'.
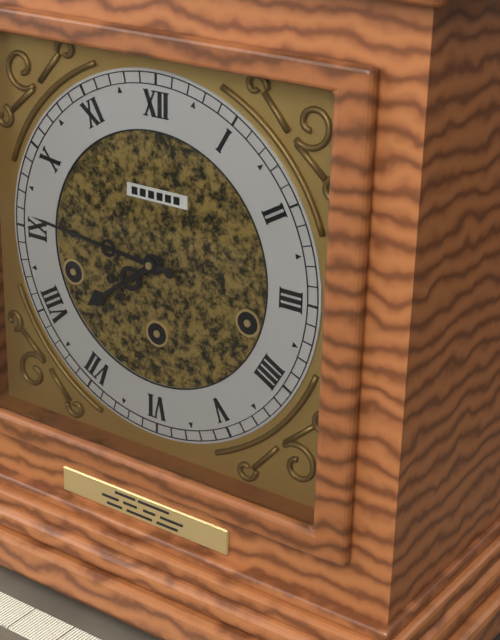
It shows 7 h 46 min
